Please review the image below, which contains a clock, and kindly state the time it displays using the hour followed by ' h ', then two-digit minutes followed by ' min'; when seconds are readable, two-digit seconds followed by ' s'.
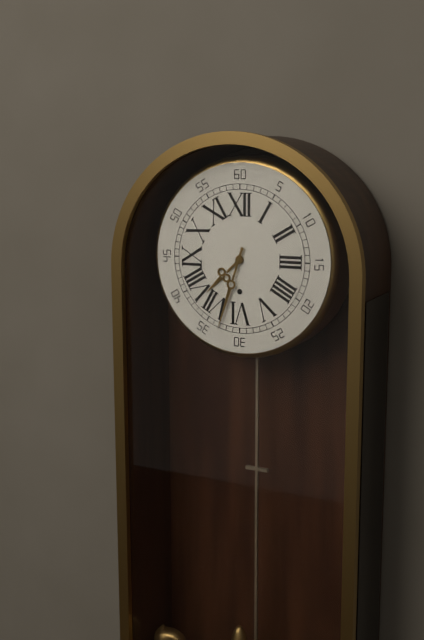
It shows 7 h 33 min
